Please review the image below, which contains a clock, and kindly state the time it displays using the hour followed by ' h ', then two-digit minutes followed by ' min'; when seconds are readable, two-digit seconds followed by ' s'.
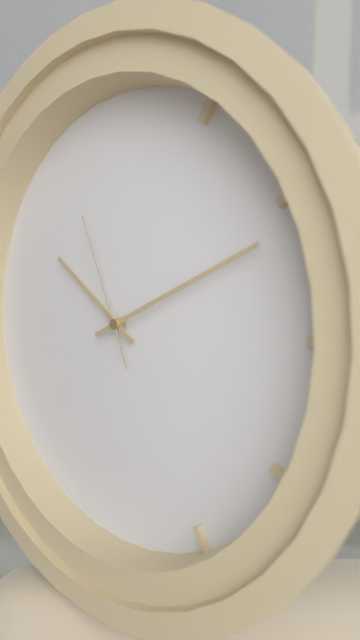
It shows 10 h 11 min 56 s
